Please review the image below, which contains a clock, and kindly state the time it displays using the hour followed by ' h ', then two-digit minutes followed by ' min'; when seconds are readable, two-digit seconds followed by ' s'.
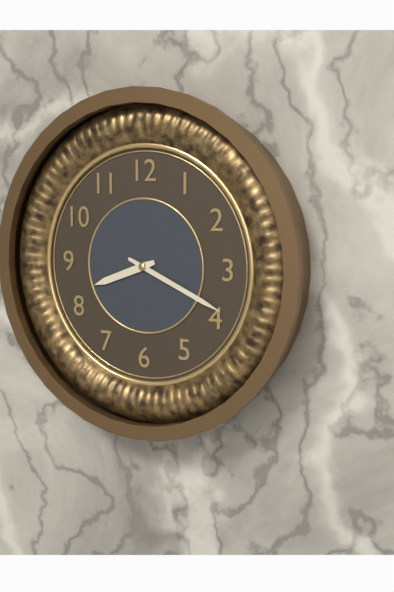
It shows 8 h 19 min
